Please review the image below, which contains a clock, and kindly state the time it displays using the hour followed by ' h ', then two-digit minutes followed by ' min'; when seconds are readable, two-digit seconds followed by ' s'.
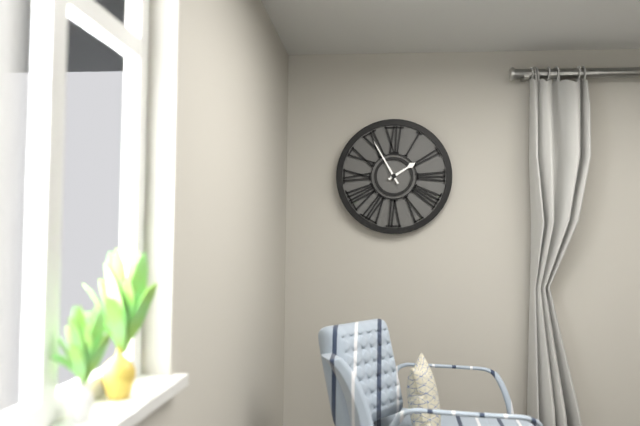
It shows 1 h 55 min
